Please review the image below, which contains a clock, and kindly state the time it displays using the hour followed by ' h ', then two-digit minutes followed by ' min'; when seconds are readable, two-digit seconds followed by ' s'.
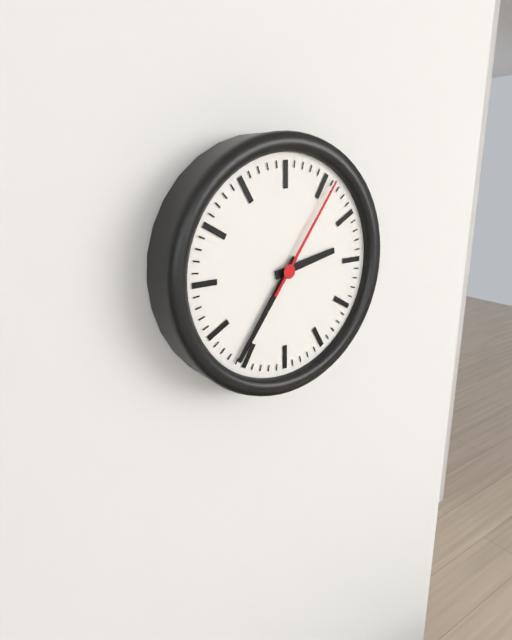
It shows 2 h 36 min 06 s
